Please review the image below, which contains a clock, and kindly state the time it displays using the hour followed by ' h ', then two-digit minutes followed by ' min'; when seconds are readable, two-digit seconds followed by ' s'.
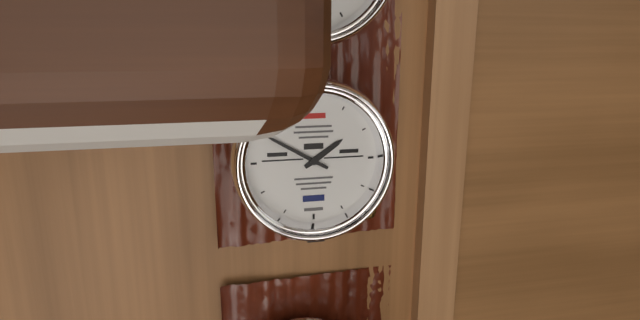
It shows 1 h 50 min
